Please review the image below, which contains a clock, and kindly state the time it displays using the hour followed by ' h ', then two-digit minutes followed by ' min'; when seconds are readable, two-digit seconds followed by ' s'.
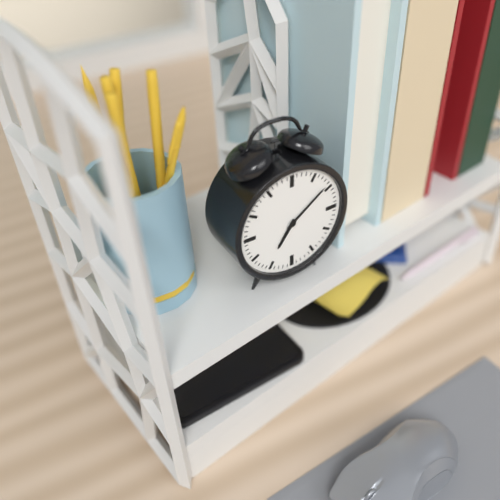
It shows 7 h 09 min
